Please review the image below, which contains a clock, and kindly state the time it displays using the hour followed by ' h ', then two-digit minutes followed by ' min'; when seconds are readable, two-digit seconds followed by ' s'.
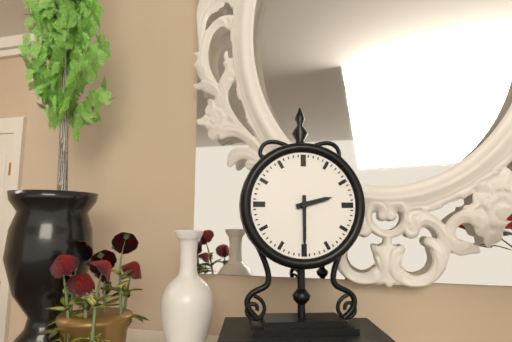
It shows 2 h 30 min
